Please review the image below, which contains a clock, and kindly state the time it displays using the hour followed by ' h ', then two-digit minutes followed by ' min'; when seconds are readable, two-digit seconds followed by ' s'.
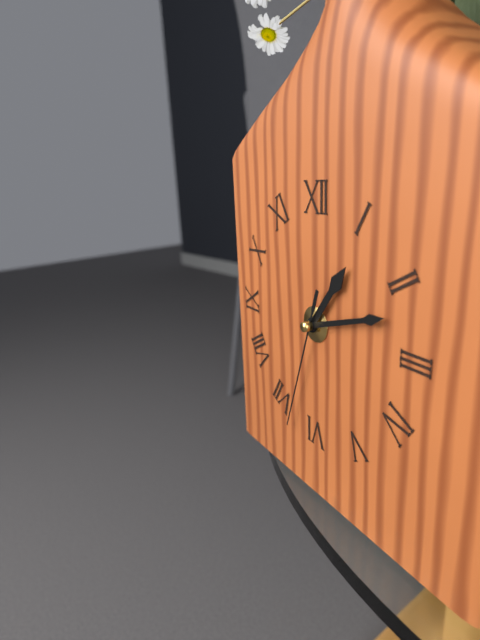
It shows 1 h 12 min 33 s
